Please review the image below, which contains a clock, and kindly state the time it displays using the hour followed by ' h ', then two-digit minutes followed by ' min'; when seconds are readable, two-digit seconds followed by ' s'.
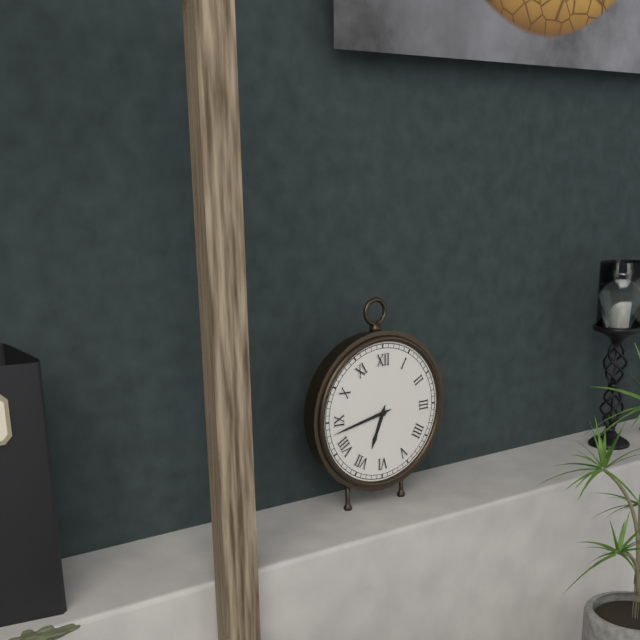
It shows 6 h 43 min
